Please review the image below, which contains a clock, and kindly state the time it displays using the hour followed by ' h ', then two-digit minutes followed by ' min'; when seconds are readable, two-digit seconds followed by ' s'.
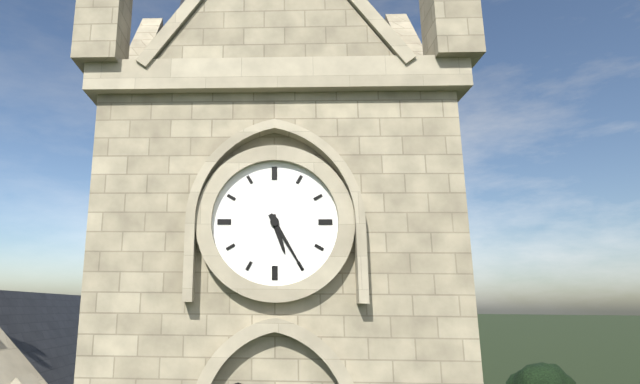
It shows 5 h 25 min
